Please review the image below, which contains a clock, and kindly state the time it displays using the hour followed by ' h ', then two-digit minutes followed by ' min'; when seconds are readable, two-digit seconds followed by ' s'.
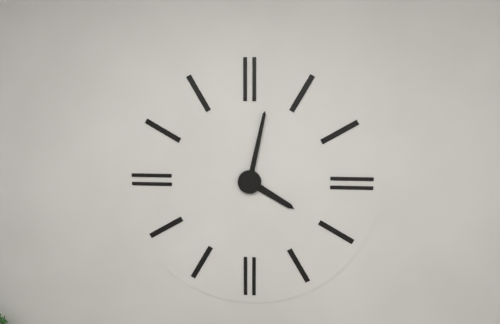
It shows 4 h 02 min
